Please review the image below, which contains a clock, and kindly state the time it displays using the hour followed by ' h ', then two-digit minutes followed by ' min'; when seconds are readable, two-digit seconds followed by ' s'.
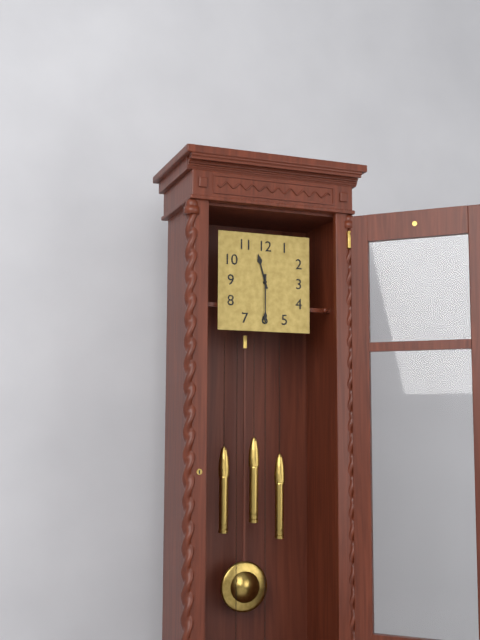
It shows 11 h 30 min
